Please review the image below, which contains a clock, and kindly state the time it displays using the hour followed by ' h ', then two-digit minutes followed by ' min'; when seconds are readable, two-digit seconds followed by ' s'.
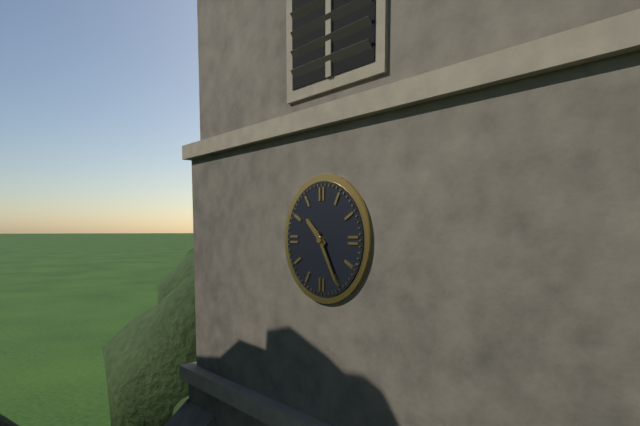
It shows 10 h 25 min
